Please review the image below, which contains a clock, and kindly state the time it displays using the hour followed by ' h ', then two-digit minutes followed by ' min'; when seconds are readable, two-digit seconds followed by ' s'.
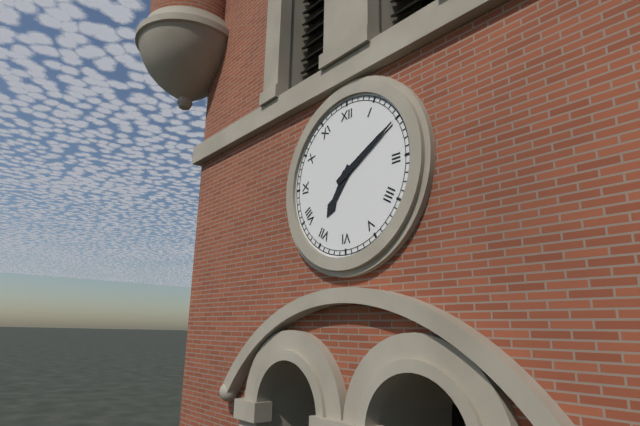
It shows 7 h 10 min
